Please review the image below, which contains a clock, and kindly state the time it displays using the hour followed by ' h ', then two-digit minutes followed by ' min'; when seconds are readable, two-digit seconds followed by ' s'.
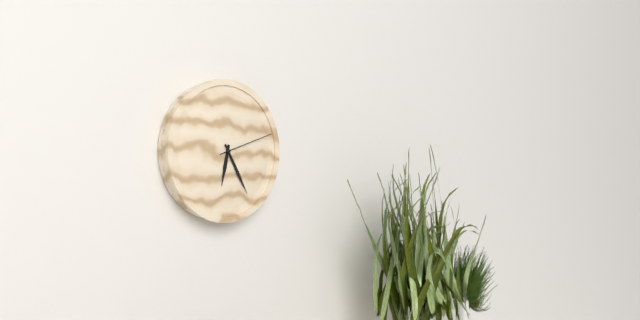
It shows 6 h 25 min 12 s
